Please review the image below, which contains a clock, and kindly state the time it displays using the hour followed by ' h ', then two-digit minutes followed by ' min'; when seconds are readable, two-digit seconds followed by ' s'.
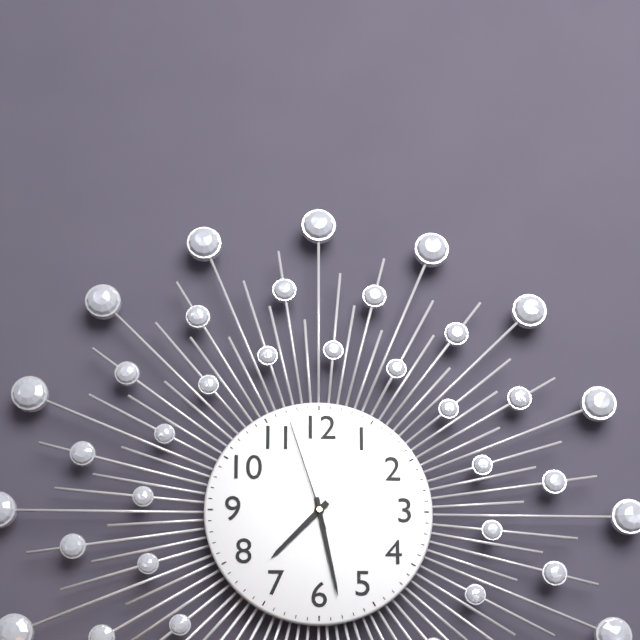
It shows 7 h 28 min 57 s
